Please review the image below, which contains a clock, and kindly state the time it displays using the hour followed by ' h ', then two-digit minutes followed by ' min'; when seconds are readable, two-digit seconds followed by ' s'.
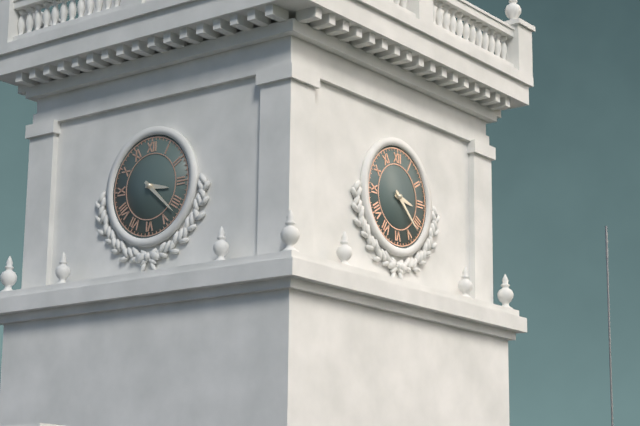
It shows 3 h 22 min
